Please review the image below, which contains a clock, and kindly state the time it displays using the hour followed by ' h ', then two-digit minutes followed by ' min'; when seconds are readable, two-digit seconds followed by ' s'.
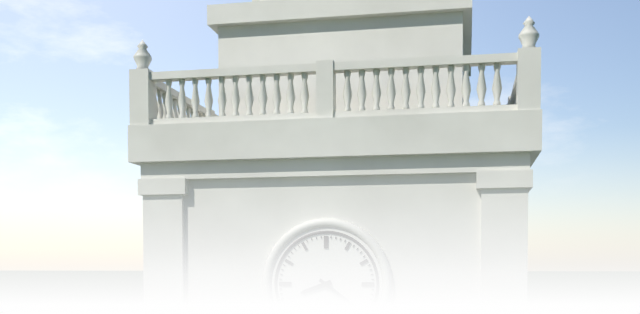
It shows 8 h 21 min
